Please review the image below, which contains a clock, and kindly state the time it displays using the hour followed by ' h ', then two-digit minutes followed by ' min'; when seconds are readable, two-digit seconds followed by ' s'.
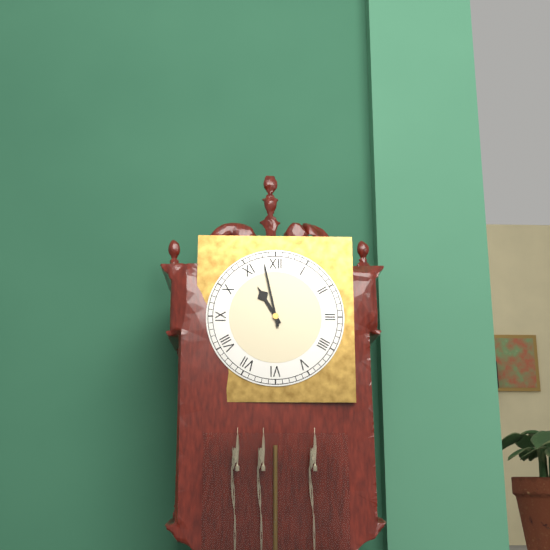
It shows 10 h 58 min
